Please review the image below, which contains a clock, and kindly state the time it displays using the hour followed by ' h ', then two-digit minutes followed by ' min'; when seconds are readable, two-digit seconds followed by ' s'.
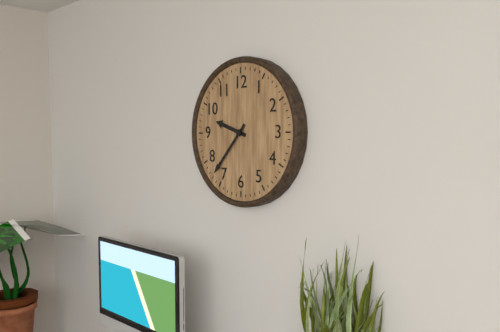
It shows 9 h 37 min
